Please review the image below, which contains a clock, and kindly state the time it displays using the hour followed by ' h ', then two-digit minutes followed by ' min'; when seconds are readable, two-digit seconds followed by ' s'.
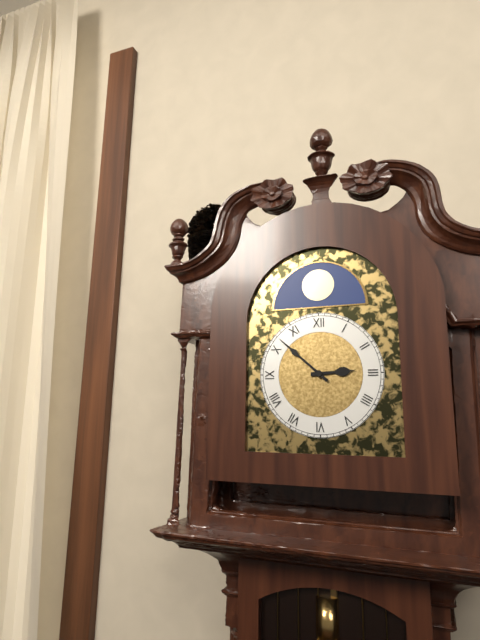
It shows 2 h 52 min
